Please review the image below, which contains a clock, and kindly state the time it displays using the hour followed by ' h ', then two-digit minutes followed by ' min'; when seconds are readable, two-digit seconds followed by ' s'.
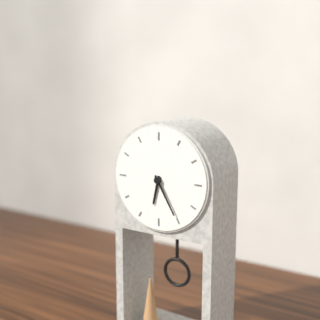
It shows 6 h 25 min
